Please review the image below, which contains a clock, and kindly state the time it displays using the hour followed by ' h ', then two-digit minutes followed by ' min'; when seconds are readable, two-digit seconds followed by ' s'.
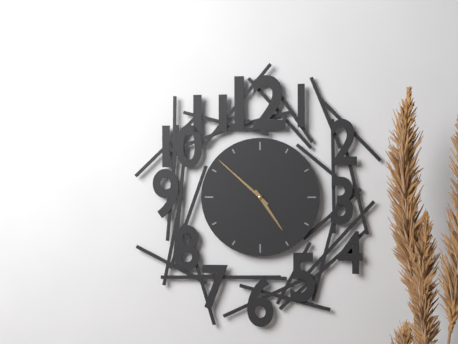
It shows 4 h 52 min
